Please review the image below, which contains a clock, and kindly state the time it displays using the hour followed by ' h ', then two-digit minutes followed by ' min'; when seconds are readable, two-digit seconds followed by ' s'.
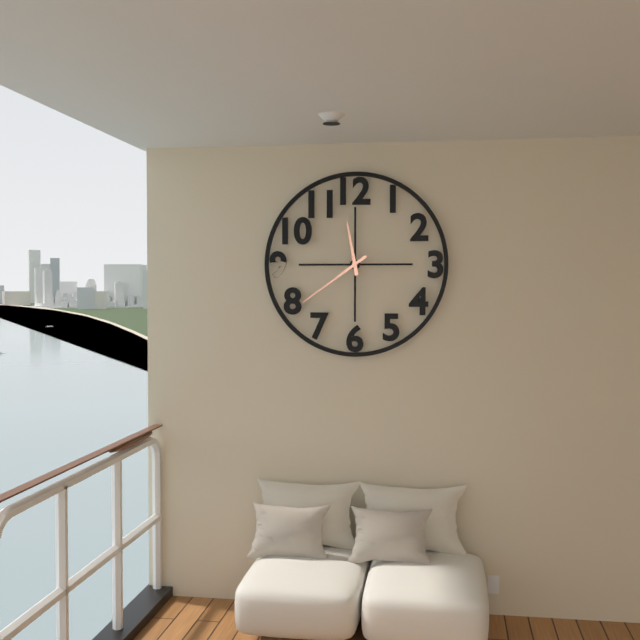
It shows 11 h 39 min
